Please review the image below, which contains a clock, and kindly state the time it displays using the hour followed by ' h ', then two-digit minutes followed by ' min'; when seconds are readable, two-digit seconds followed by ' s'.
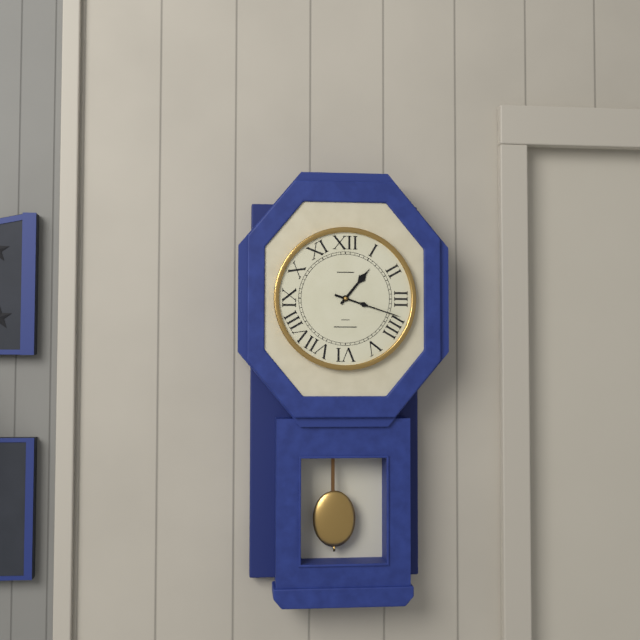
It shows 1 h 18 min
